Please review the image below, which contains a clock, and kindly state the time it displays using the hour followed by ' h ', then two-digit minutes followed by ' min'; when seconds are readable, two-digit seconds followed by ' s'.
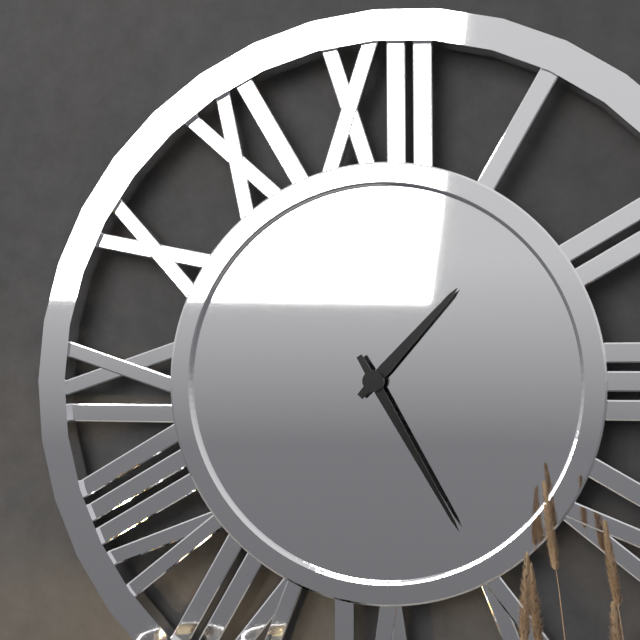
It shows 1 h 25 min
